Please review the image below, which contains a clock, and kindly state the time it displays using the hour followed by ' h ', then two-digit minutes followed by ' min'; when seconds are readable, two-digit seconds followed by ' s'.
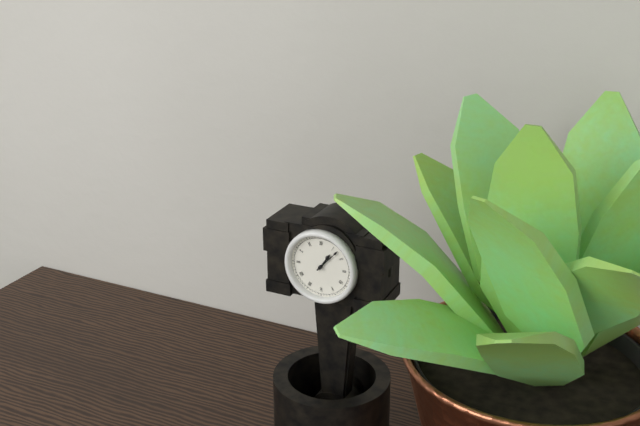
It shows 1 h 07 min
